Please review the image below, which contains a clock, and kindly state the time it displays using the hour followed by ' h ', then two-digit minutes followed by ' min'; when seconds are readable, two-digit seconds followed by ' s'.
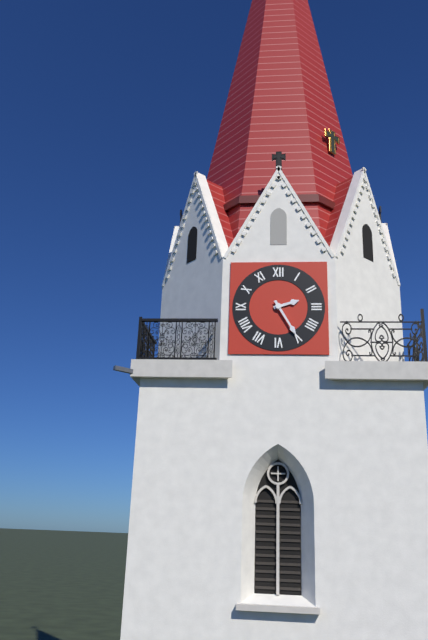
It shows 2 h 25 min
